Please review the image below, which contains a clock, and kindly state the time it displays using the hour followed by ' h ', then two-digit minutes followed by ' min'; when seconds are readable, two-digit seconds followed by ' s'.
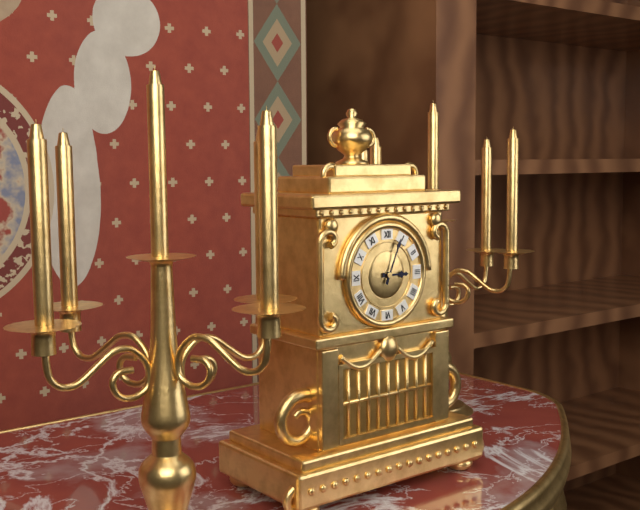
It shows 3 h 04 min
